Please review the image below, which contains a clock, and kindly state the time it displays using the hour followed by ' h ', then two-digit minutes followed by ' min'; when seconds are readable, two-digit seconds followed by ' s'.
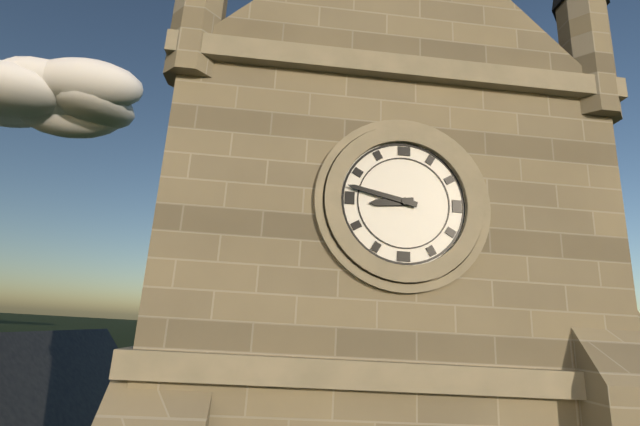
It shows 8 h 47 min
